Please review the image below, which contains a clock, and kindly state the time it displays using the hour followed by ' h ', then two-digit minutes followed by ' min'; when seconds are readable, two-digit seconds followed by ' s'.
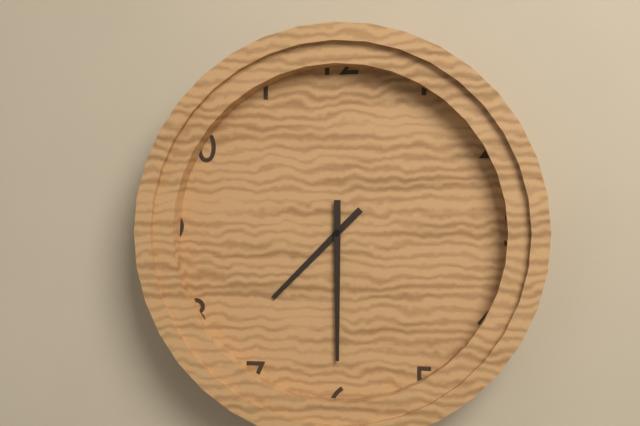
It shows 7 h 30 min
